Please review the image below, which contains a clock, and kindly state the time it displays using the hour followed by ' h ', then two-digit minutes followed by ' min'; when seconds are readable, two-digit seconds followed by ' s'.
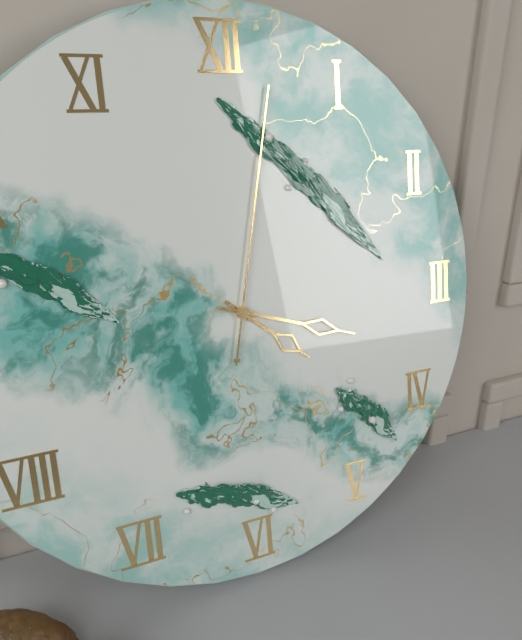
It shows 4 h 18 min 02 s
